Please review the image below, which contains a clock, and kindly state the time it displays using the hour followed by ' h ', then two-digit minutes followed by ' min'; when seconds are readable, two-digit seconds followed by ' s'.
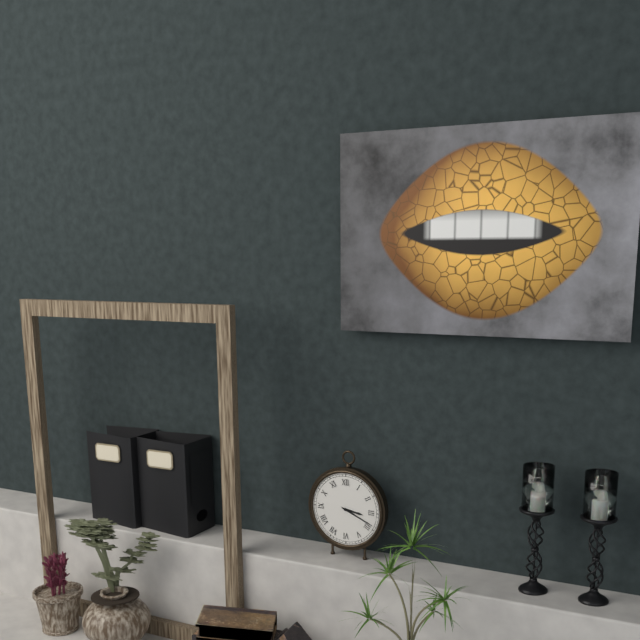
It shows 3 h 19 min
